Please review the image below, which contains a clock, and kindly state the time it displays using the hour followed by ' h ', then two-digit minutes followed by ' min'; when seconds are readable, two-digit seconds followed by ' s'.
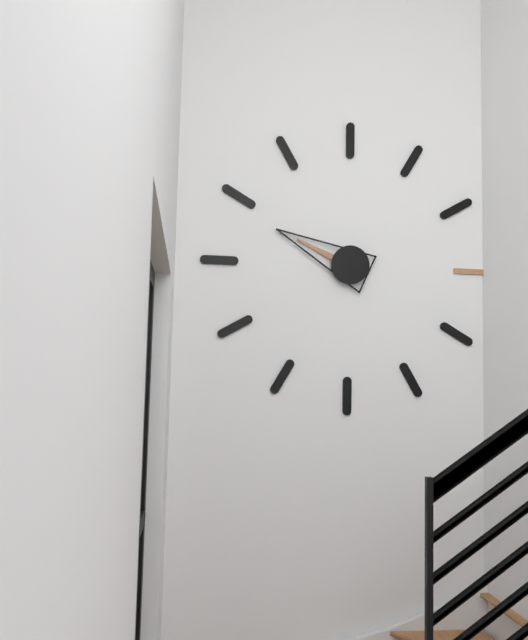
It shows 9 h 49 min
